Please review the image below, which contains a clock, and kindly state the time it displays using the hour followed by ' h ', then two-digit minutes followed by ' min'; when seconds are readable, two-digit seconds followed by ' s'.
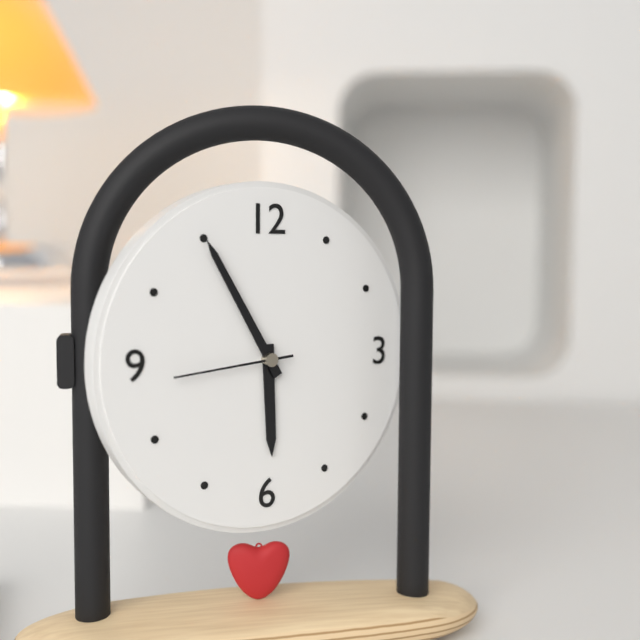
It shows 5 h 55 min 44 s
